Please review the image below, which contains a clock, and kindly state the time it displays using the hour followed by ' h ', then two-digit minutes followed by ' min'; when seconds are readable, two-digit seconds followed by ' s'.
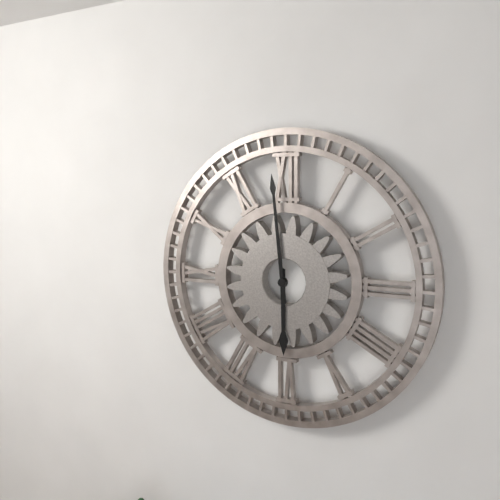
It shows 5 h 59 min
